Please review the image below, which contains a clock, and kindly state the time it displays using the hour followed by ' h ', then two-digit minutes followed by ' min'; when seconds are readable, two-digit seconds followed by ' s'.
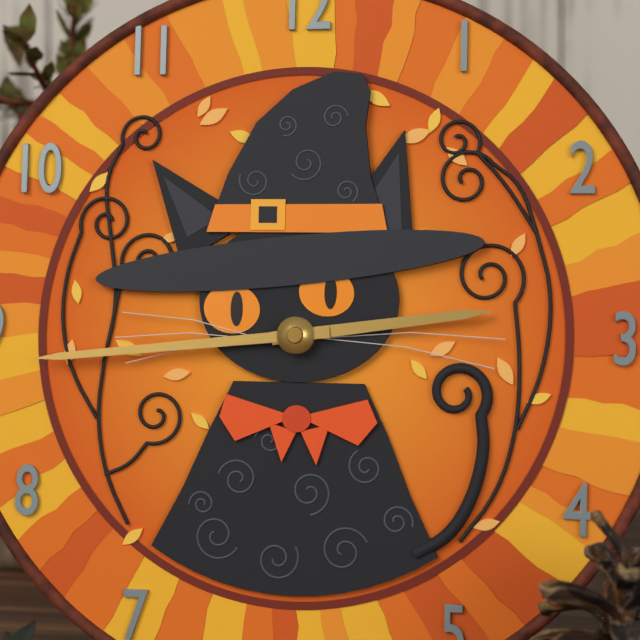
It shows 2 h 44 min
